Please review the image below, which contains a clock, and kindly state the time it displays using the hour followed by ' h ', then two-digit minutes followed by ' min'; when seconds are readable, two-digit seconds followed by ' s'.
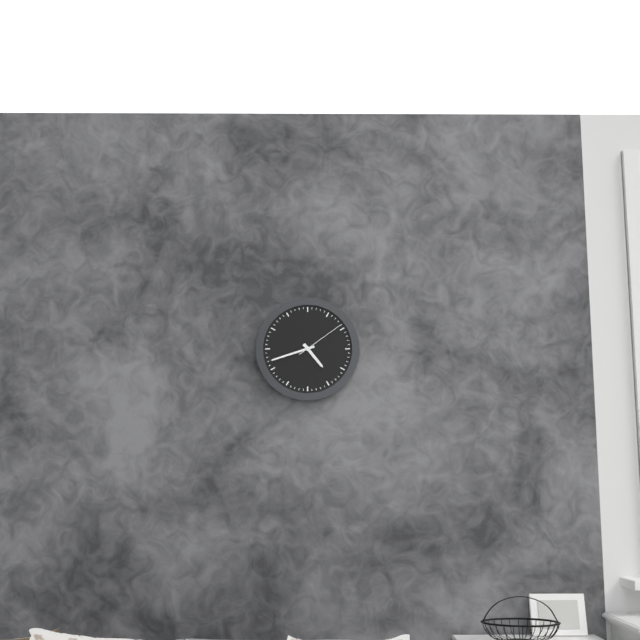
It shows 4 h 42 min 09 s
